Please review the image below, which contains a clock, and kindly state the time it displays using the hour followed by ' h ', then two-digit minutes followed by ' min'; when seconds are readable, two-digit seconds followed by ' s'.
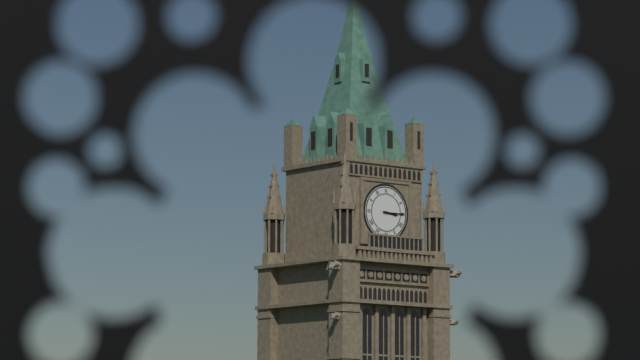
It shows 3 h 15 min
